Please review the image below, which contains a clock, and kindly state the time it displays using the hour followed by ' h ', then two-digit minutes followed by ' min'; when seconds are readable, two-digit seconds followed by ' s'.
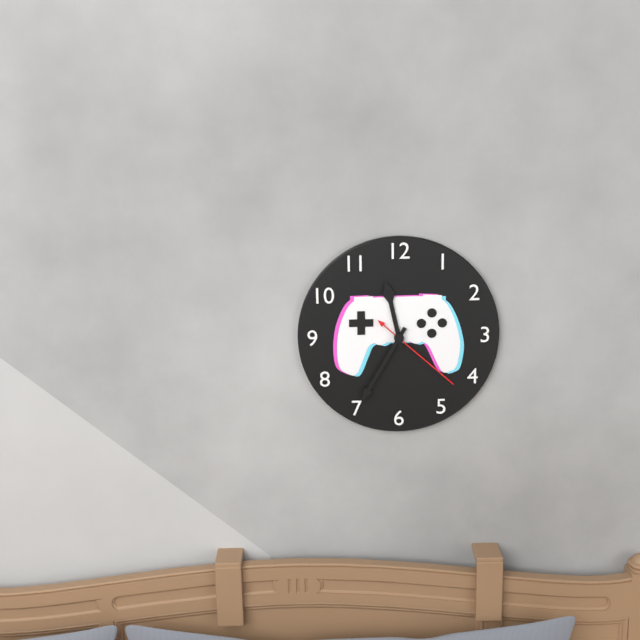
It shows 11 h 35 min 22 s
